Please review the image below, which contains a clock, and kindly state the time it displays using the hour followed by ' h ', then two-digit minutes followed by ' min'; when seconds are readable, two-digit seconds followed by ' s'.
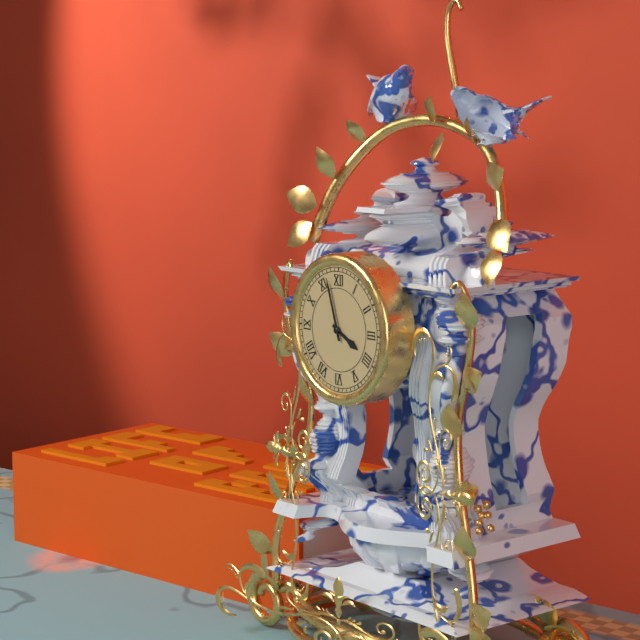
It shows 3 h 57 min
